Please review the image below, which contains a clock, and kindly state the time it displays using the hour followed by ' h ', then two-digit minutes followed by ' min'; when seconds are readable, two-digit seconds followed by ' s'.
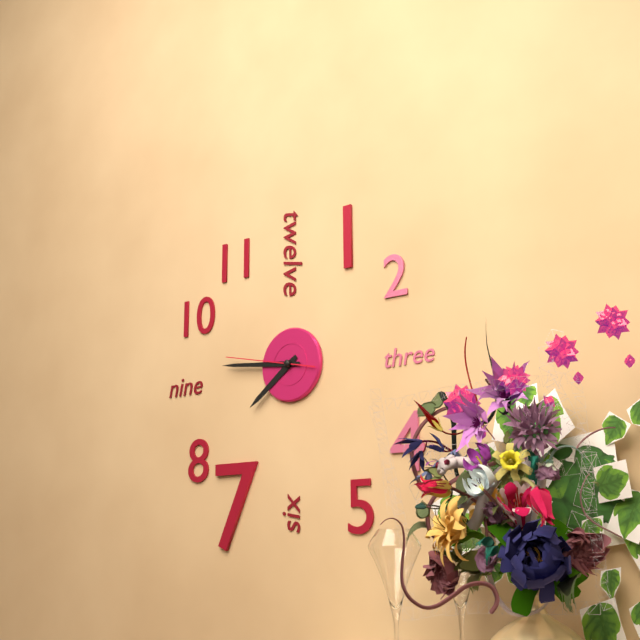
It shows 7 h 46 min 47 s
